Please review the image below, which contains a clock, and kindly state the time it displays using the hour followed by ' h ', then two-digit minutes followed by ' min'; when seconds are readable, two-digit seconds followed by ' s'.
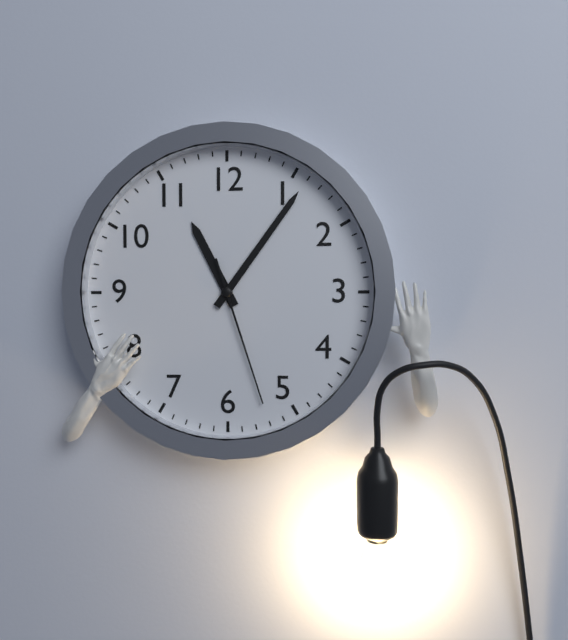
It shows 11 h 06 min 27 s
